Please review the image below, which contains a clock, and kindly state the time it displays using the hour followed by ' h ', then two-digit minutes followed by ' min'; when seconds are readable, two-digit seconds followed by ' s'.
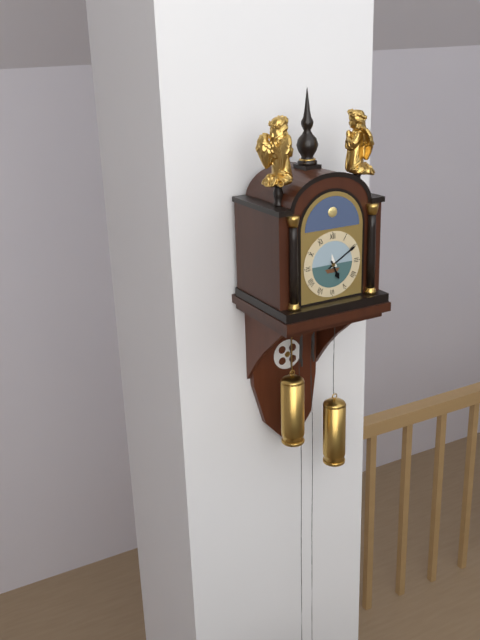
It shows 5 h 10 min
